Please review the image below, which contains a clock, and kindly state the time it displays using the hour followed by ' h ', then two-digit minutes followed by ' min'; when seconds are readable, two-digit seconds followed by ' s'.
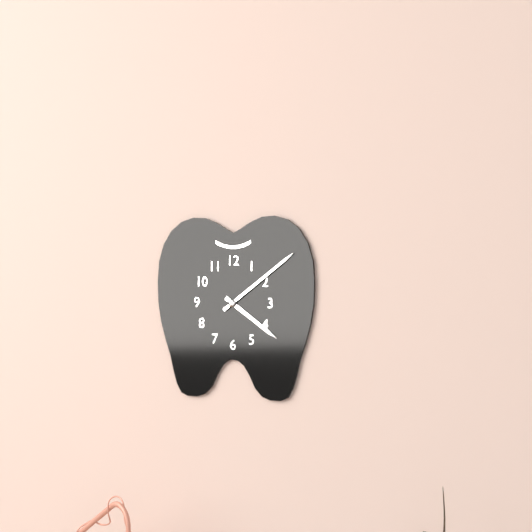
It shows 4 h 09 min
